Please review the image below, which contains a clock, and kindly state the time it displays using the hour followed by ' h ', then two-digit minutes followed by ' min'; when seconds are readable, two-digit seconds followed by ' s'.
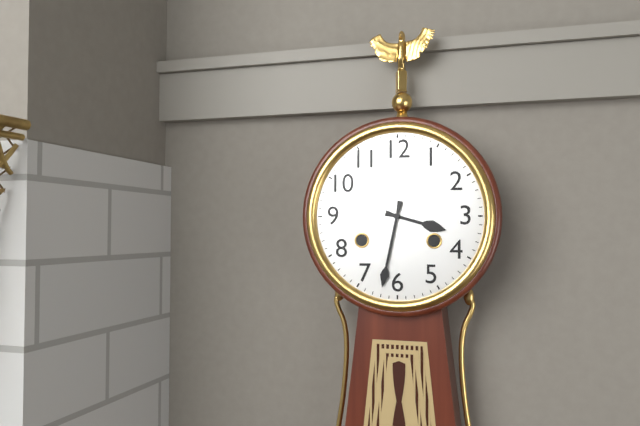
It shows 3 h 32 min
